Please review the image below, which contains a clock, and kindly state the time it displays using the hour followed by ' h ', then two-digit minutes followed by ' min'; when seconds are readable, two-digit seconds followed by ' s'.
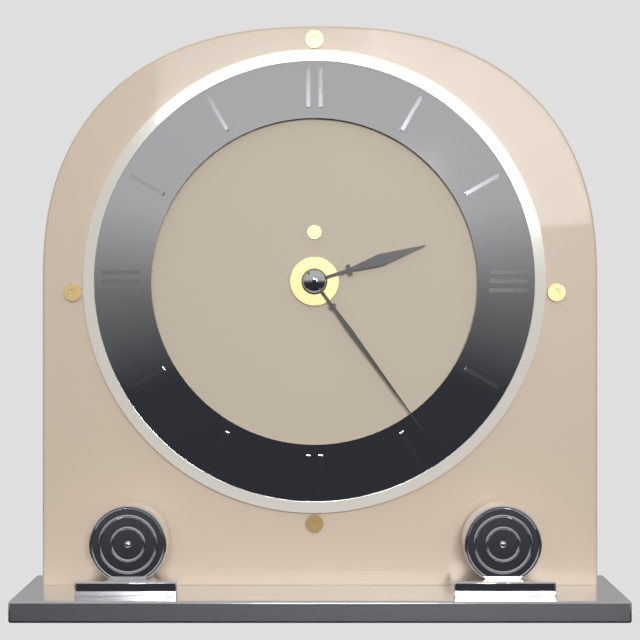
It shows 2 h 24 min
